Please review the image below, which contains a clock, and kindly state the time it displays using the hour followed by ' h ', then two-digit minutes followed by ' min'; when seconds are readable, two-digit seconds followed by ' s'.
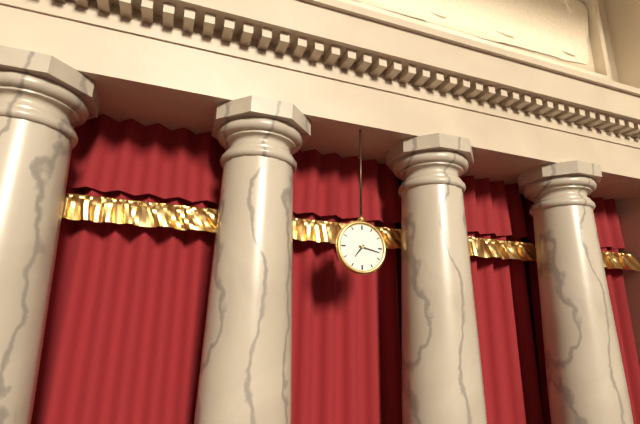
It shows 7 h 17 min
